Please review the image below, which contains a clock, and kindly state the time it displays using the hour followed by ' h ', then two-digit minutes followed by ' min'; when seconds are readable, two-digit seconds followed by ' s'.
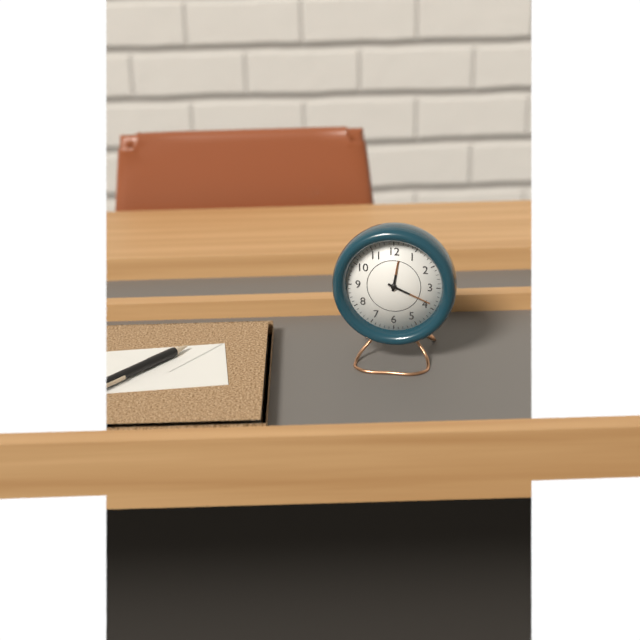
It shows 12 h 19 min
